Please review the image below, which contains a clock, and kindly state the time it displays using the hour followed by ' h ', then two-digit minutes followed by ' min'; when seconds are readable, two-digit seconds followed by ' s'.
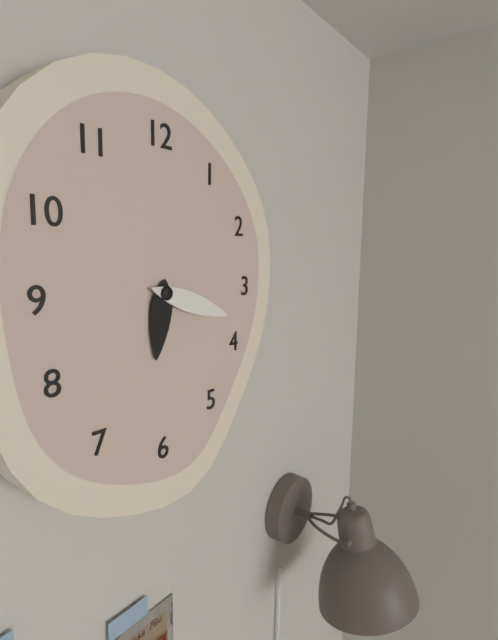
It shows 6 h 18 min
